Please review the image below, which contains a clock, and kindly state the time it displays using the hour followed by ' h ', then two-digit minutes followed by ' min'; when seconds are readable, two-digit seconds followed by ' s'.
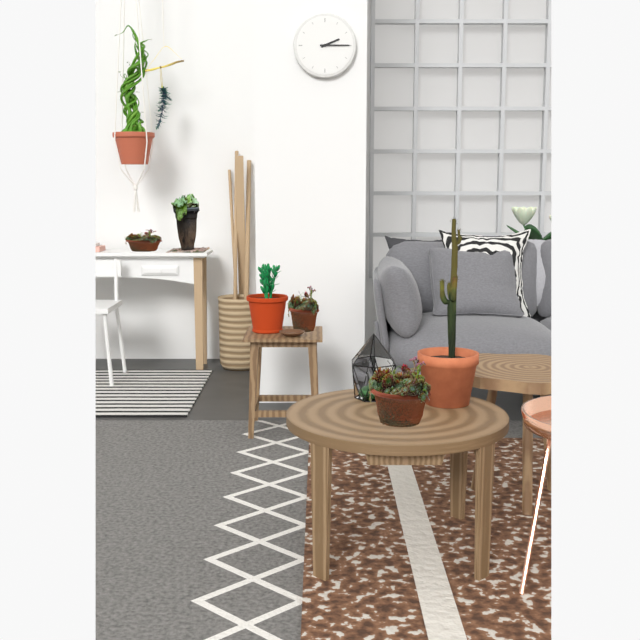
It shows 2 h 15 min
